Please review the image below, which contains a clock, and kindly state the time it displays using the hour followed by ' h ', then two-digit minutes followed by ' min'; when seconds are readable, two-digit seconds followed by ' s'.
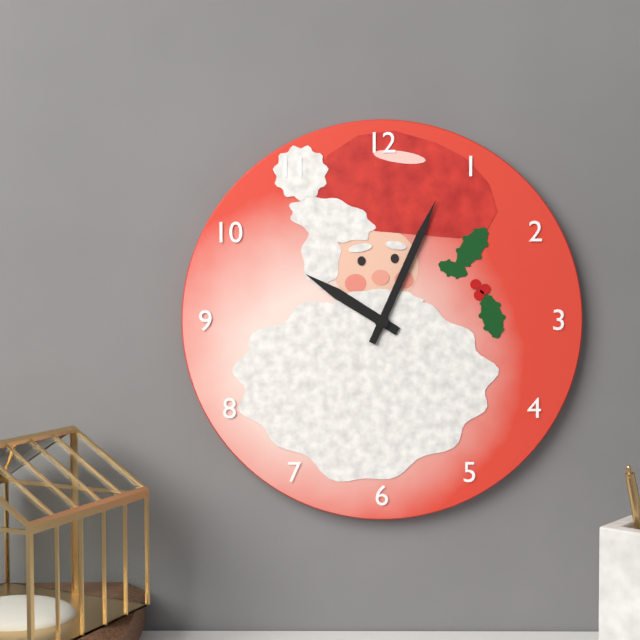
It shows 10 h 04 min
